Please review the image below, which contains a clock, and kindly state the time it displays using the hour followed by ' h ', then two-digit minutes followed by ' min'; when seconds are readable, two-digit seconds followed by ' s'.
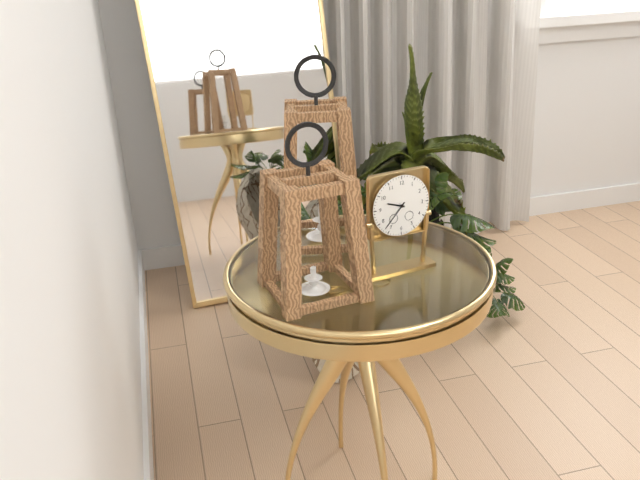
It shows 9 h 37 min
